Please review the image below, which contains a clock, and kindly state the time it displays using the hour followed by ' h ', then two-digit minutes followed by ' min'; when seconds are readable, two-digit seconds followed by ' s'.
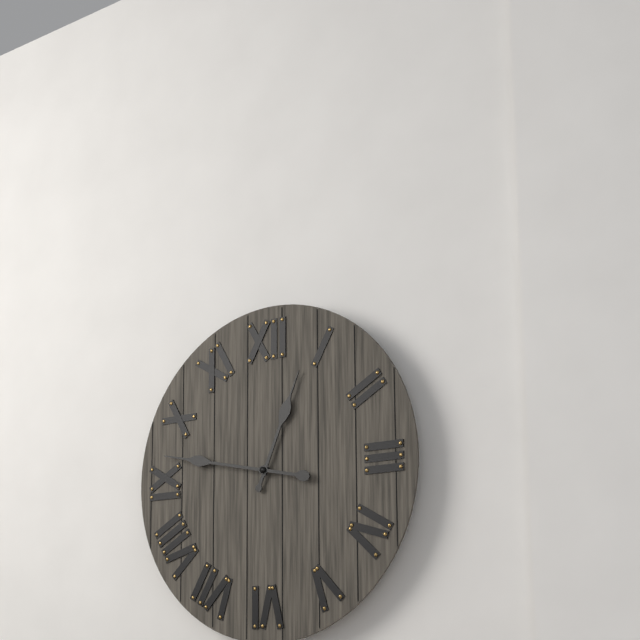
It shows 12 h 47 min
